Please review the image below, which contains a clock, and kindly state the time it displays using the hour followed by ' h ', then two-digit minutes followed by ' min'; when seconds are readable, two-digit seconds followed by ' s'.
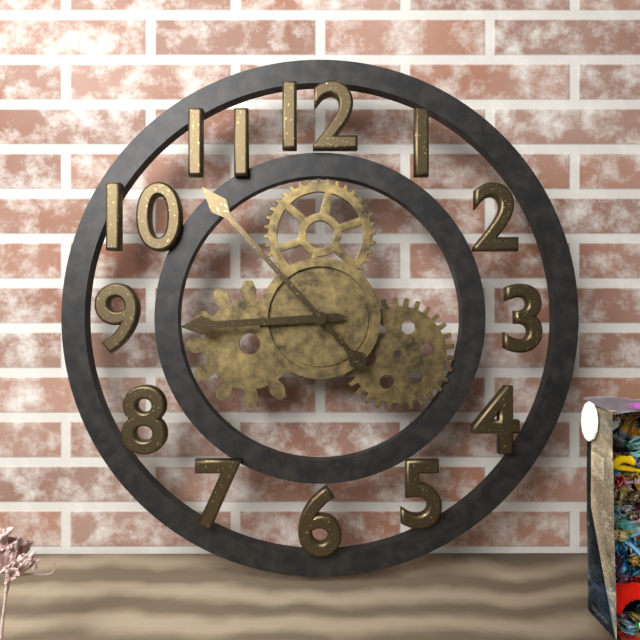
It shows 8 h 53 min
